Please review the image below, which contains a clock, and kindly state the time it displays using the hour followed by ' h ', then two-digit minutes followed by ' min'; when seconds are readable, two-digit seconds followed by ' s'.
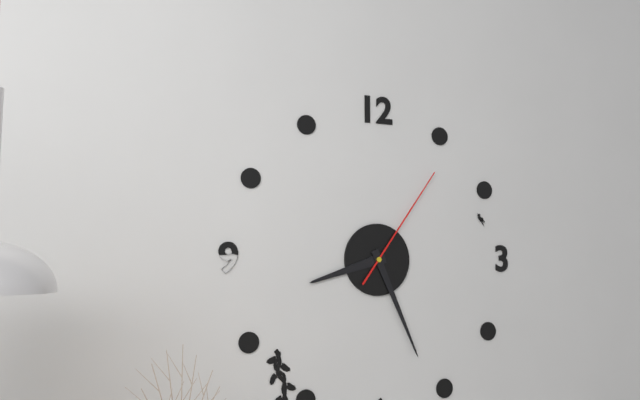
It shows 8 h 26 min 06 s
